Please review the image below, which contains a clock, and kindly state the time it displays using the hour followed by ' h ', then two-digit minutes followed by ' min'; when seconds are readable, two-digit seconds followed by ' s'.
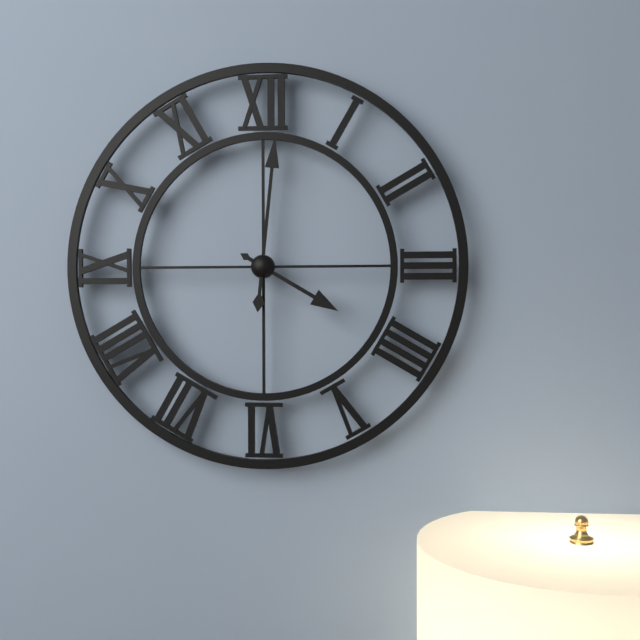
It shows 4 h 01 min
